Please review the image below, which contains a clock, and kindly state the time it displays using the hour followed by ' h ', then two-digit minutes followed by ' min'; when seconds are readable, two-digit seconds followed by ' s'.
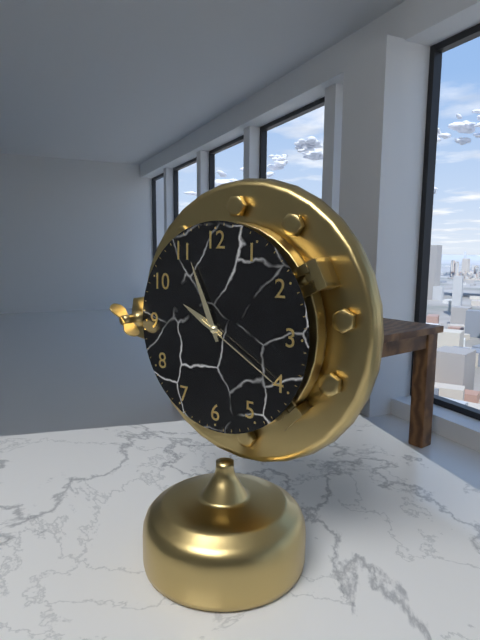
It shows 9 h 56 min 20 s
